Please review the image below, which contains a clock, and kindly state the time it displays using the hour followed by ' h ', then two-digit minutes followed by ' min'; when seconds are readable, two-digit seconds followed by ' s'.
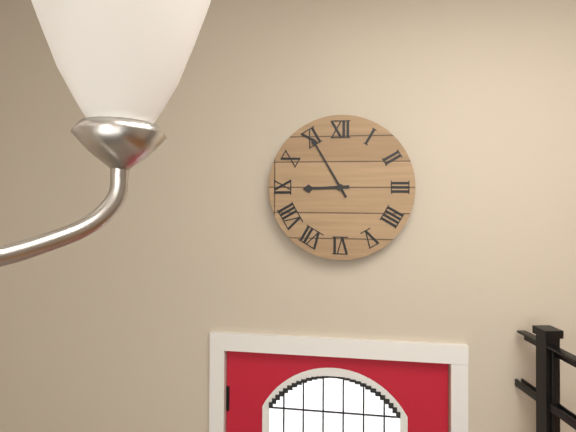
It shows 8 h 55 min
